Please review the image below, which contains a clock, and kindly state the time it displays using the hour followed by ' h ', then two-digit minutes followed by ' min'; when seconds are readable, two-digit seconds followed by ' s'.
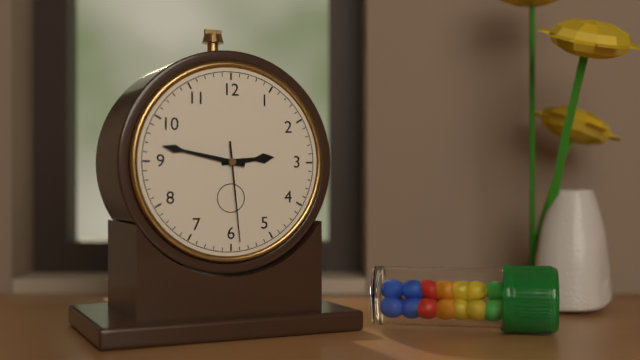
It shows 2 h 47 min 29 s
